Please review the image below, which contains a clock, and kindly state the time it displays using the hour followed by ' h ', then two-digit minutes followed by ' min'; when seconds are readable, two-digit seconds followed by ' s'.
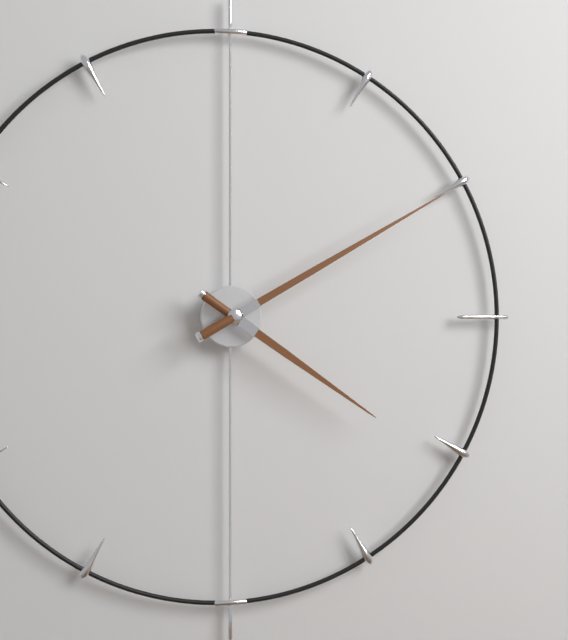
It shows 4 h 10 min
